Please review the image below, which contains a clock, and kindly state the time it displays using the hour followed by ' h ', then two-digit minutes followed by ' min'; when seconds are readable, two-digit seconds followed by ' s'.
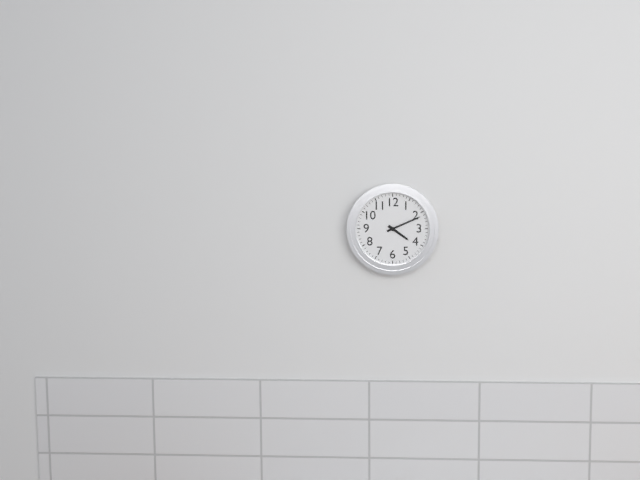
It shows 4 h 11 min
